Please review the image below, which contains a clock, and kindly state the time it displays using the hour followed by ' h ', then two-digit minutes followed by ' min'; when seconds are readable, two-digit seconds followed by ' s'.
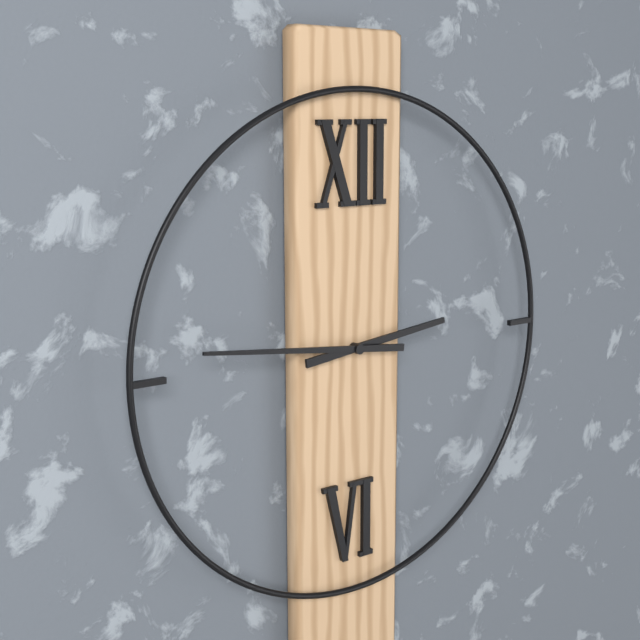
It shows 2 h 46 min
